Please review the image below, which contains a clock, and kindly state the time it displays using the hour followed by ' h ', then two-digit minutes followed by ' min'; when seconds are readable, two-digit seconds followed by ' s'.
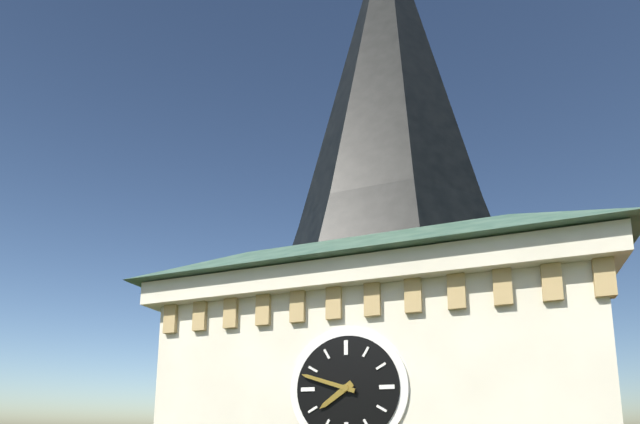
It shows 7 h 48 min
